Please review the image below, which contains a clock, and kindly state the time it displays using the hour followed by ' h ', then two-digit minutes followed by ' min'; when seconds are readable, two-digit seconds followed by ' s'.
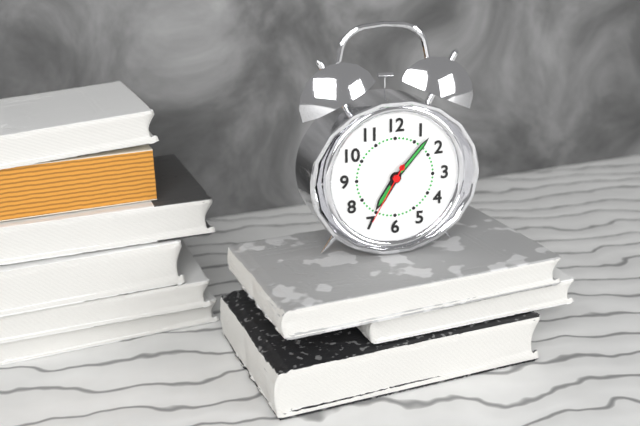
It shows 7 h 07 min 35 s
